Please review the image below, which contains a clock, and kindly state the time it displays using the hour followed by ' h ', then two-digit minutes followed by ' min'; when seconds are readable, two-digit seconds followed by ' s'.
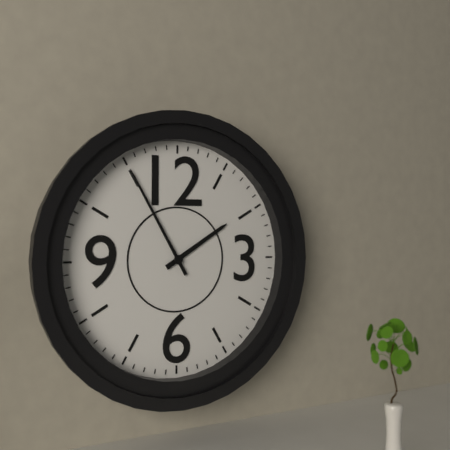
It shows 1 h 55 min
